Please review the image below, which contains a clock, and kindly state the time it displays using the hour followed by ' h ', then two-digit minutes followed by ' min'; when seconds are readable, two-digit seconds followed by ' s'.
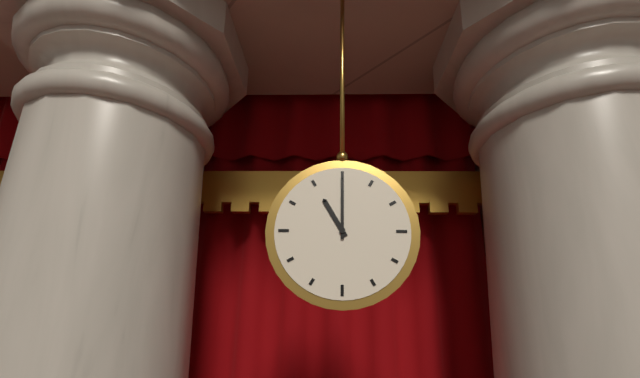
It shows 11 h 00 min
